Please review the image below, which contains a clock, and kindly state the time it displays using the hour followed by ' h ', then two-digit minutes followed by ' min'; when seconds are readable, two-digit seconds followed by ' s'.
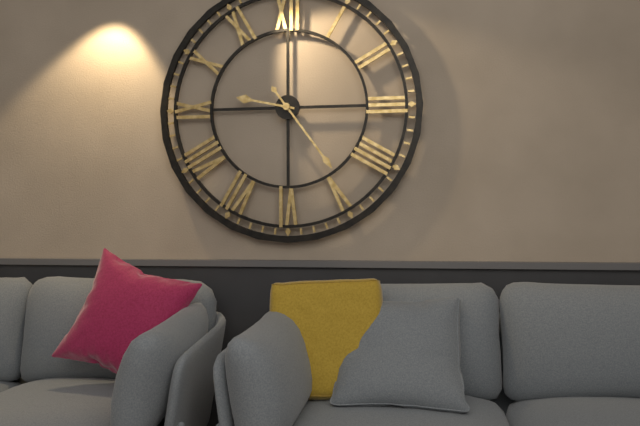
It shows 9 h 24 min
